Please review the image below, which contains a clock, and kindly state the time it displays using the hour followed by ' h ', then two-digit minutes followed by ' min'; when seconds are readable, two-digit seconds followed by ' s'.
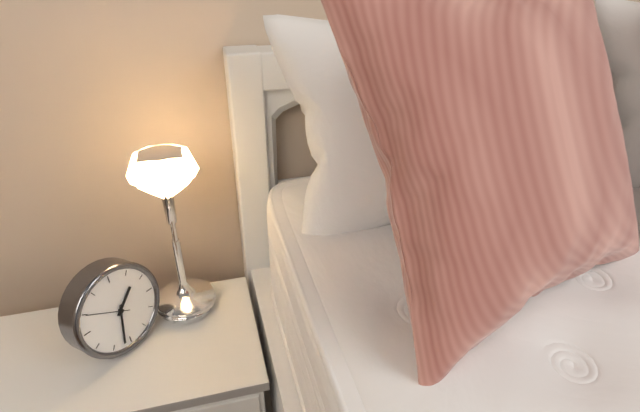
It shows 1 h 32 min
